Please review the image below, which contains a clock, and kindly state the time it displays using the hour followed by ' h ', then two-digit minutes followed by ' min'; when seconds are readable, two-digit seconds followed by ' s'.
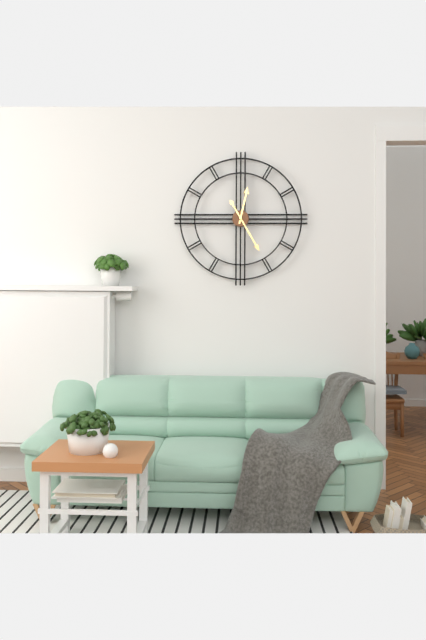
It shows 12 h 25 min
